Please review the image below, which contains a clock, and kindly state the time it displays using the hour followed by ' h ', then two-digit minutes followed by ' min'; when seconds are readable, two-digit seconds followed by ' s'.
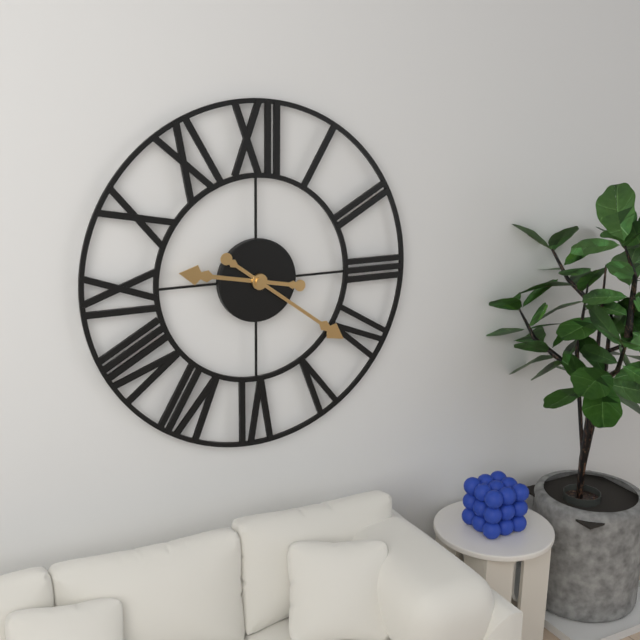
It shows 9 h 21 min
